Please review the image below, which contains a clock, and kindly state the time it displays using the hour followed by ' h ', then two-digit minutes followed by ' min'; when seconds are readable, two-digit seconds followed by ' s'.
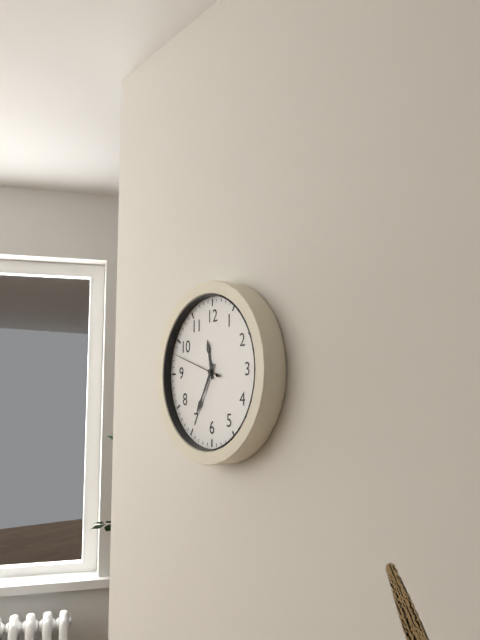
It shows 11 h 35 min
